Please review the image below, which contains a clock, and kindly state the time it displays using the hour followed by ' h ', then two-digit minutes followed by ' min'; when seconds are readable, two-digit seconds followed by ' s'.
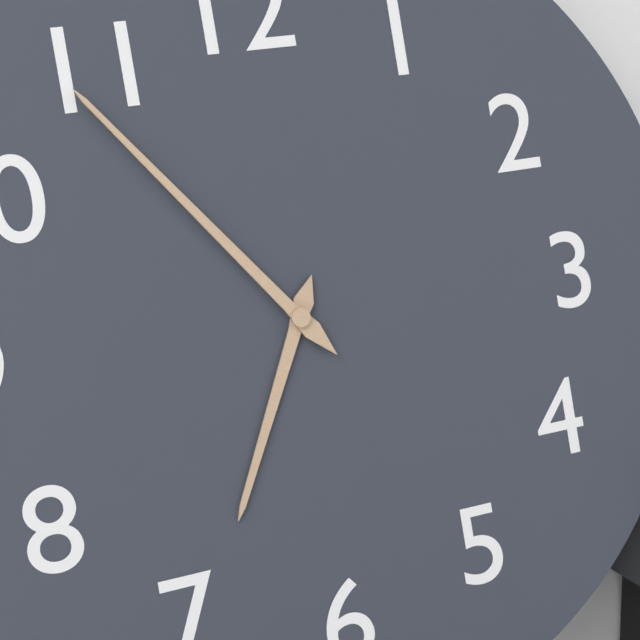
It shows 6 h 54 min
